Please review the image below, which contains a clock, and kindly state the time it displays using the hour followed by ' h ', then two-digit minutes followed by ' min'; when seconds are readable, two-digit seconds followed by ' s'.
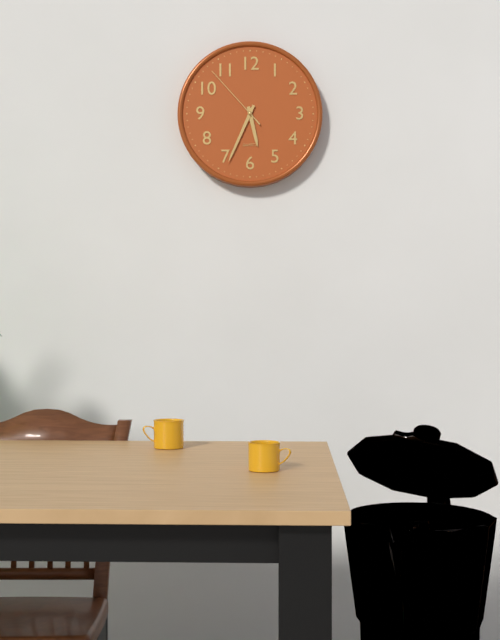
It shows 5 h 34 min 53 s
